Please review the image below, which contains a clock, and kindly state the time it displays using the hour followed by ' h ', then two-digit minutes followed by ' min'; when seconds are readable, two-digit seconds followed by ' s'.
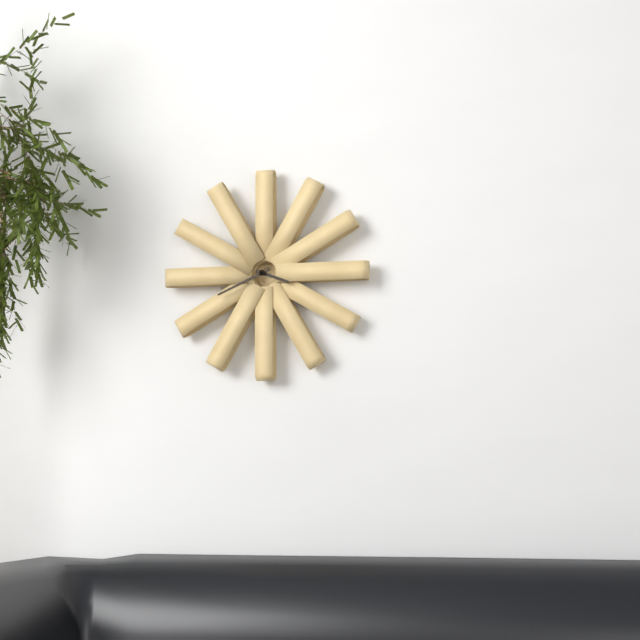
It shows 3 h 41 min
